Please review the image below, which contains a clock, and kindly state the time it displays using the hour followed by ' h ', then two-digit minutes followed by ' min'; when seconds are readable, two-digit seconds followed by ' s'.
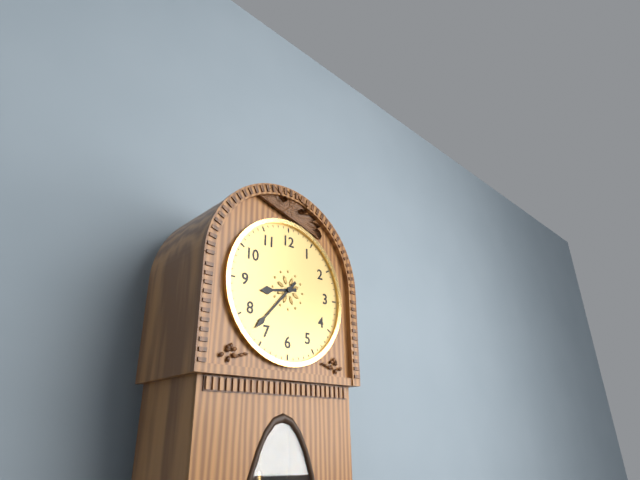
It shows 8 h 37 min
